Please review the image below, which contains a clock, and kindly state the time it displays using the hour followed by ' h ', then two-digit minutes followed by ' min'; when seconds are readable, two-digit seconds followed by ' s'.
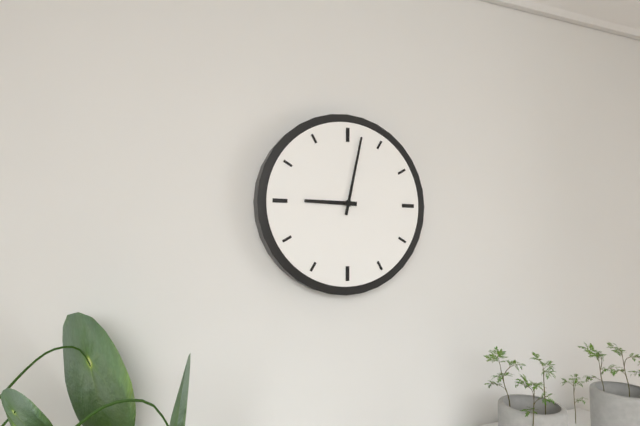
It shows 9 h 02 min
